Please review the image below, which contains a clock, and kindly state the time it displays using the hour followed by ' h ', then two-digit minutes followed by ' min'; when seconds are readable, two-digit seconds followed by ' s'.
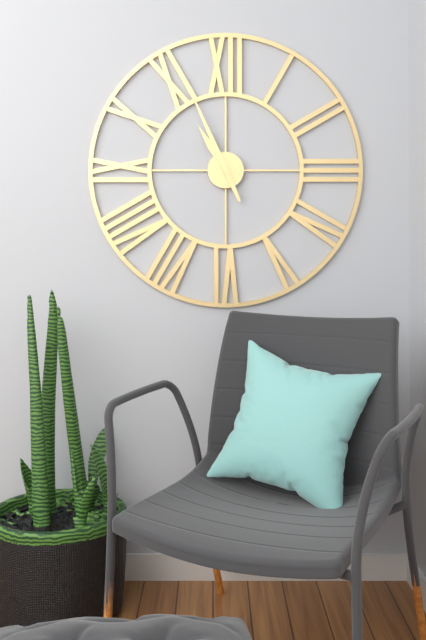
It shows 10 h 56 min
